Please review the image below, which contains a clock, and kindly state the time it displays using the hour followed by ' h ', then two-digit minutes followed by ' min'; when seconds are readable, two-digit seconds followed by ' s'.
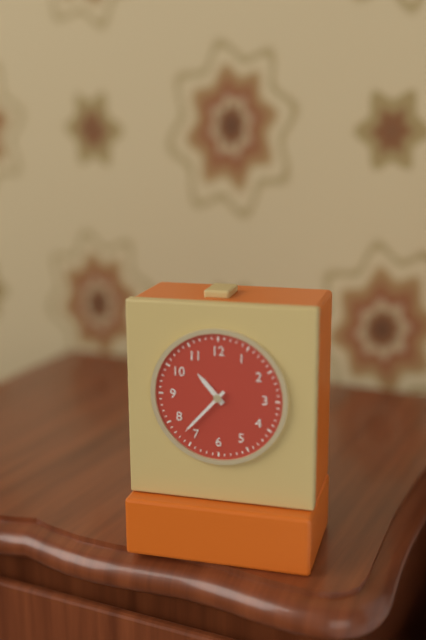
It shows 10 h 37 min
